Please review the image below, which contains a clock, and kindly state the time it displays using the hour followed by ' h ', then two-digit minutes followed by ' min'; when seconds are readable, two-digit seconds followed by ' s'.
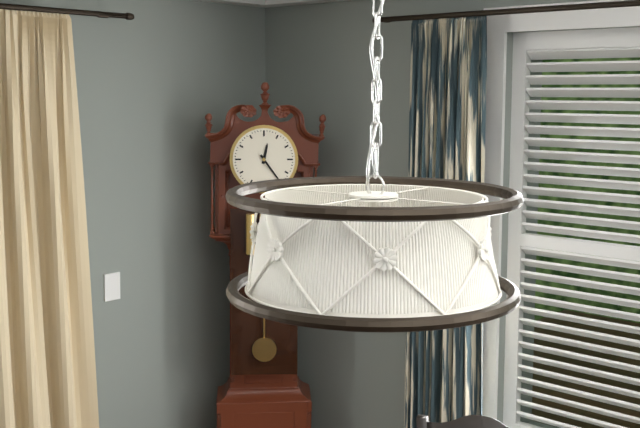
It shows 12 h 24 min
